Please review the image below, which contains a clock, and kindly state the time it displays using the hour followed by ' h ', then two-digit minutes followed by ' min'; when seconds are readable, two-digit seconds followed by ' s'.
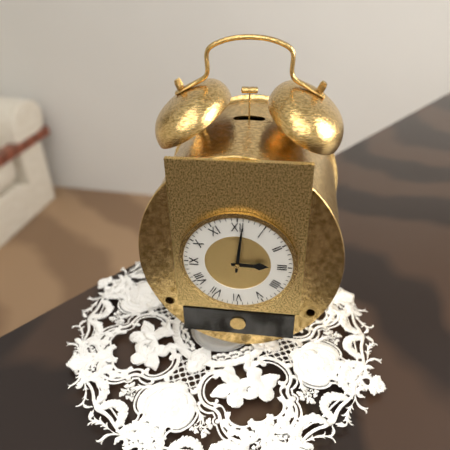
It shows 3 h 01 min
